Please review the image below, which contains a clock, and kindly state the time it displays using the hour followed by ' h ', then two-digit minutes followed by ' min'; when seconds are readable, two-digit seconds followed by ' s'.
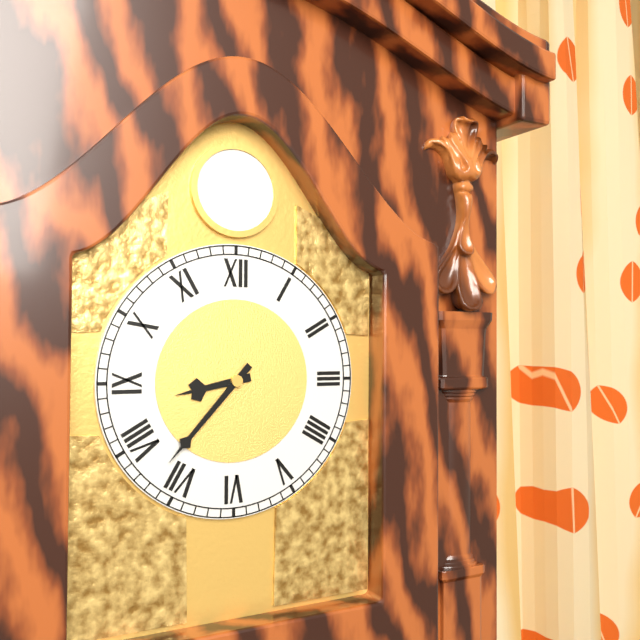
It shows 8 h 37 min
